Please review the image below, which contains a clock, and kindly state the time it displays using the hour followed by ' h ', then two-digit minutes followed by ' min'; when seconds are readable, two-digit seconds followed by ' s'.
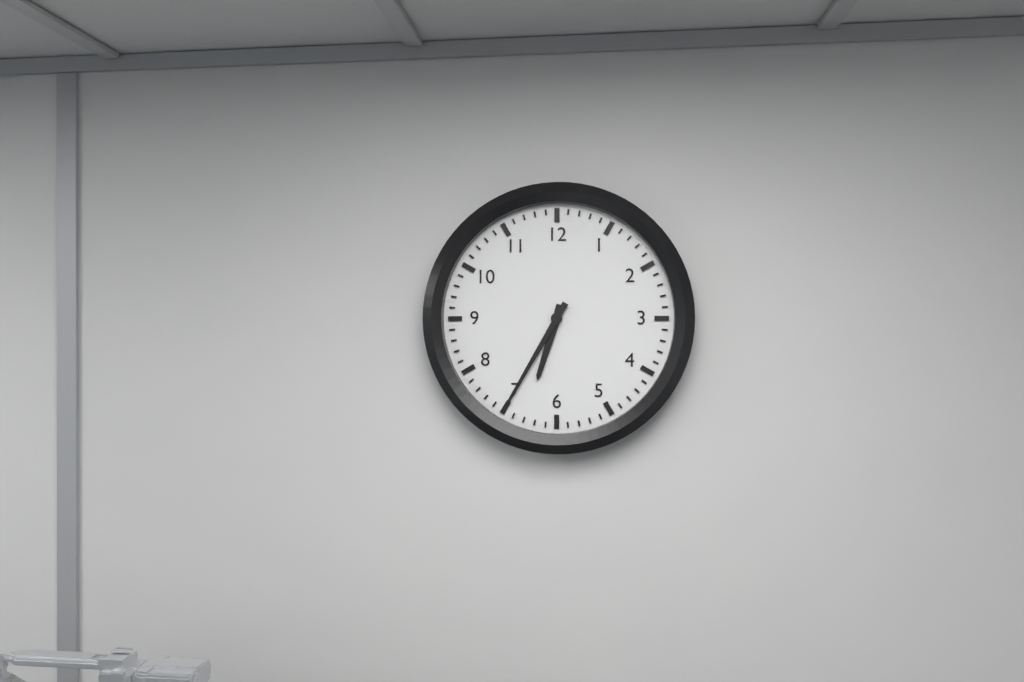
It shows 6 h 35 min
